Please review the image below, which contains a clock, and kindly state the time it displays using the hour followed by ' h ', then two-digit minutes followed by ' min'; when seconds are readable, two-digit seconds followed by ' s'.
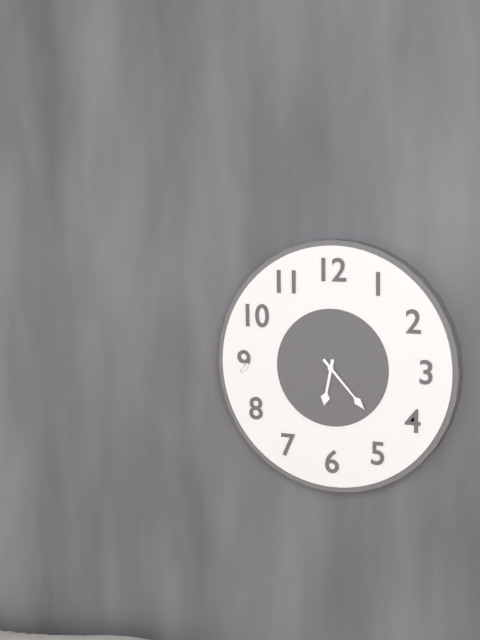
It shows 6 h 23 min
